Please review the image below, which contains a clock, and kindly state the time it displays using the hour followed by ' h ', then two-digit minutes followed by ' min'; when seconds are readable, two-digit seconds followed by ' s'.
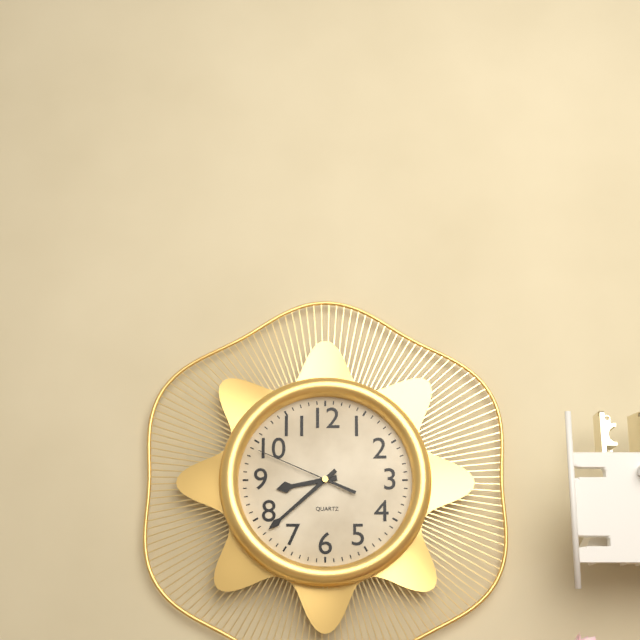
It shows 8 h 38 min 49 s
